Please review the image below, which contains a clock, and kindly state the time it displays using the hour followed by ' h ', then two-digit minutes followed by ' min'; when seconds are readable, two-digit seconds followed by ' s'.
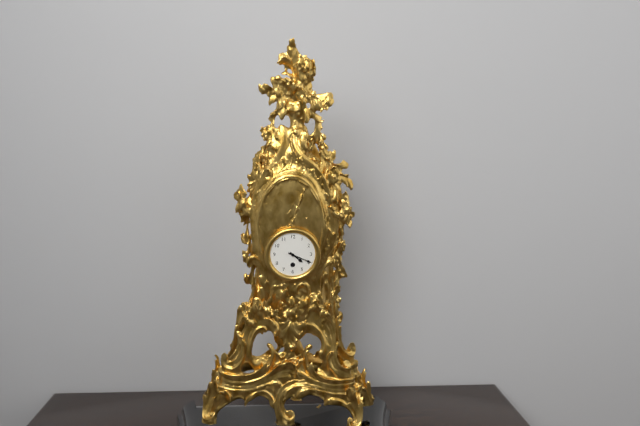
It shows 4 h 19 min
